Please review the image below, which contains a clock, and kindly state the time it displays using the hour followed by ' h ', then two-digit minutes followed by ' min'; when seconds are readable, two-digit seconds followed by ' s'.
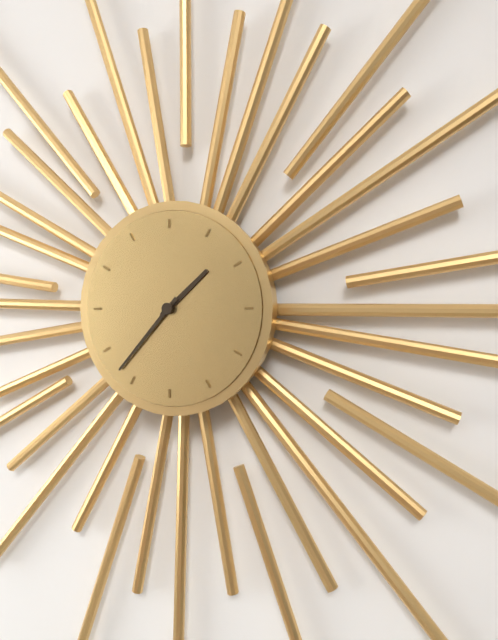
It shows 1 h 37 min
